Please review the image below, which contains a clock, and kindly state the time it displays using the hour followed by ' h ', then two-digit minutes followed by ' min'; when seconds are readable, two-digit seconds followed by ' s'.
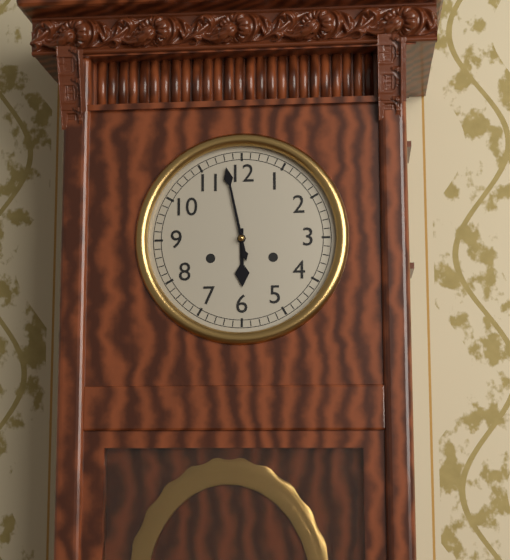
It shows 5 h 58 min
